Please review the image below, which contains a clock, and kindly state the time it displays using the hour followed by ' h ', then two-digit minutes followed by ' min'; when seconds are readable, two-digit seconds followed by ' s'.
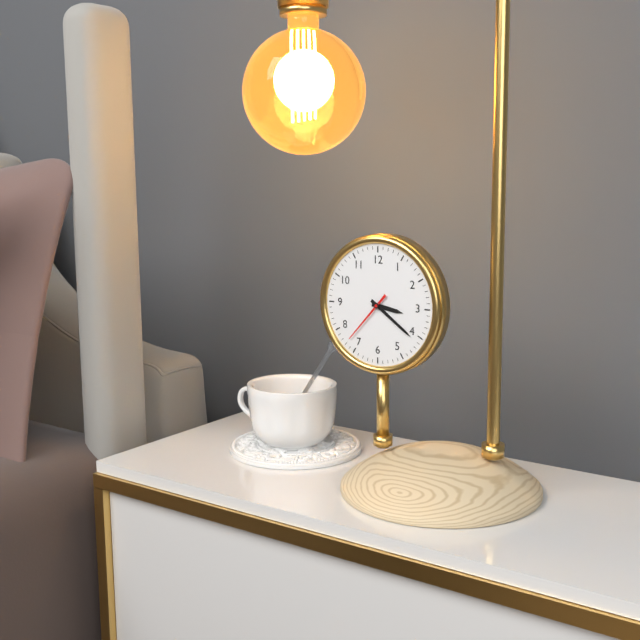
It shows 3 h 21 min 37 s
